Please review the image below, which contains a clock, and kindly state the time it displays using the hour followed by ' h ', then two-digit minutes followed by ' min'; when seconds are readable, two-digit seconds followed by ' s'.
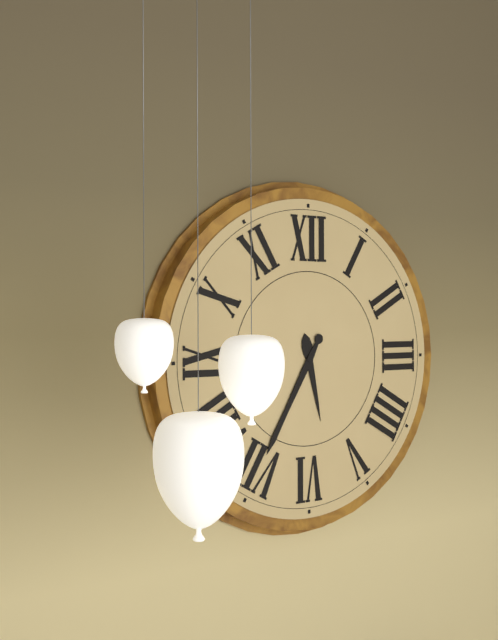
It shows 5 h 35 min
